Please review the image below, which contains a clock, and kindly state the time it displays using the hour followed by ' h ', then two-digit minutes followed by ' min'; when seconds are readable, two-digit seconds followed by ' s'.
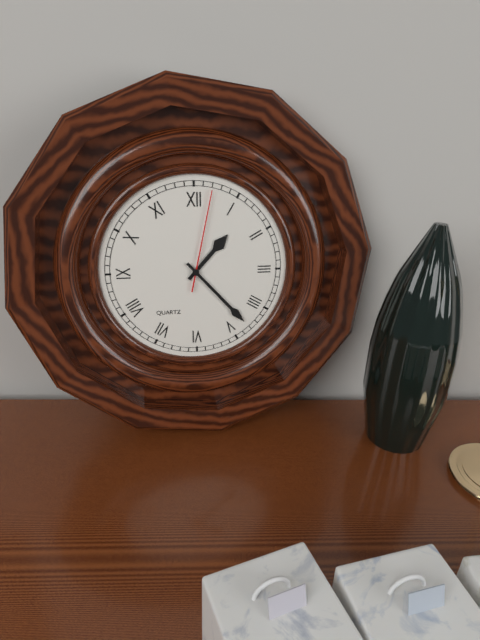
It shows 1 h 23 min 02 s
